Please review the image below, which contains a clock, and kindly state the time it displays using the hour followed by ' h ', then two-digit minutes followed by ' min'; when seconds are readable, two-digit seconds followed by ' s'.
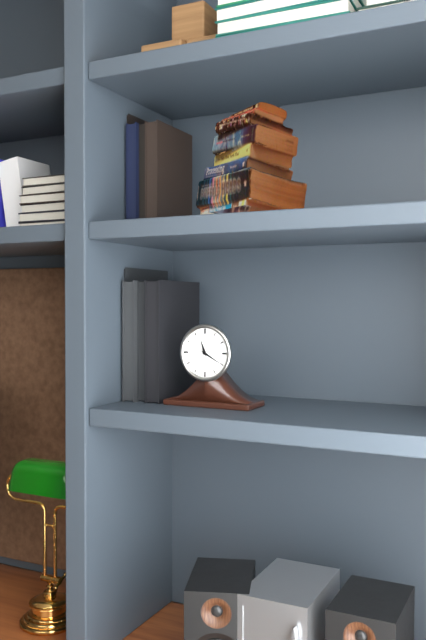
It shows 11 h 20 min
